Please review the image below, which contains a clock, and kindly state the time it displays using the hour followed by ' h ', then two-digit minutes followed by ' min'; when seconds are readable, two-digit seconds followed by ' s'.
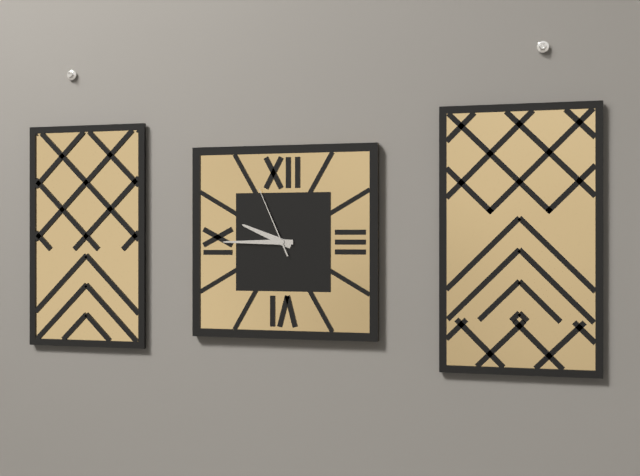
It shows 9 h 45 min 56 s
